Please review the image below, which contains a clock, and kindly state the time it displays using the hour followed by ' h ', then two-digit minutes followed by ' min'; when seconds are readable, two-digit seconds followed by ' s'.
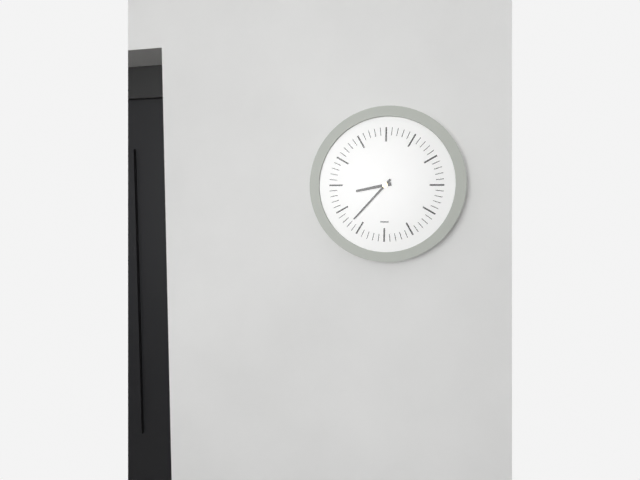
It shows 8 h 37 min
